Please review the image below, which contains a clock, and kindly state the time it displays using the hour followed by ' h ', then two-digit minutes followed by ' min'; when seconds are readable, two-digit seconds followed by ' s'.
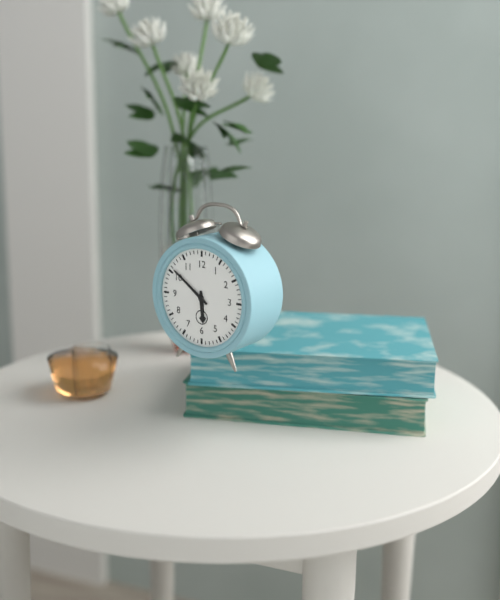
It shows 5 h 51 min
